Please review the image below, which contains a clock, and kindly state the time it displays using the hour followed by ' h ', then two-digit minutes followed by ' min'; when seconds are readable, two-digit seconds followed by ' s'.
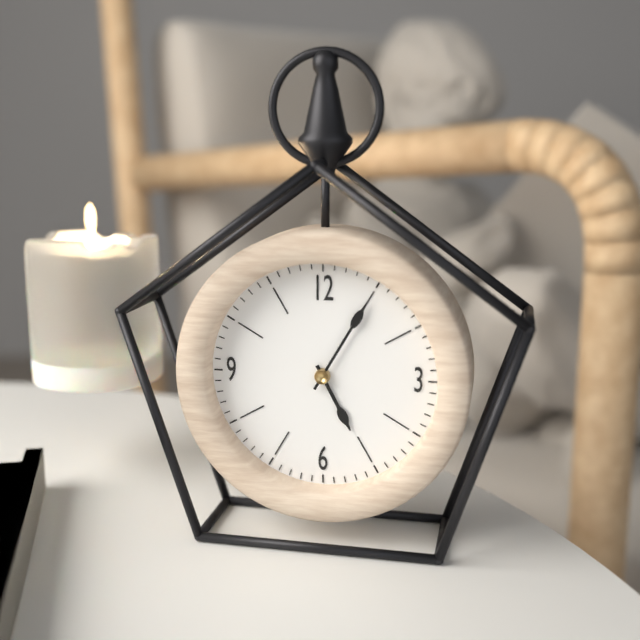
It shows 5 h 05 min
